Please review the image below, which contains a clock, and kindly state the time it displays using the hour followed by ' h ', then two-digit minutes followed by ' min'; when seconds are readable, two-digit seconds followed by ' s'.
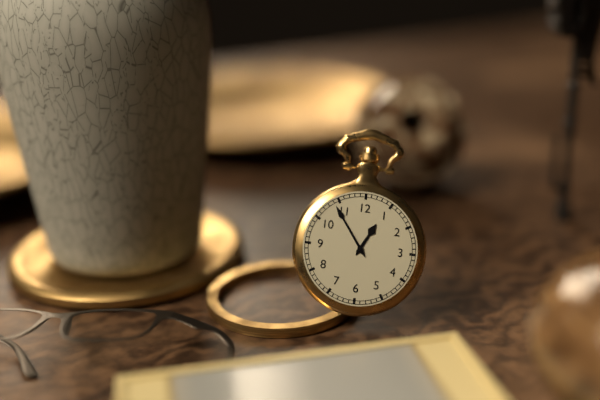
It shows 12 h 54 min
